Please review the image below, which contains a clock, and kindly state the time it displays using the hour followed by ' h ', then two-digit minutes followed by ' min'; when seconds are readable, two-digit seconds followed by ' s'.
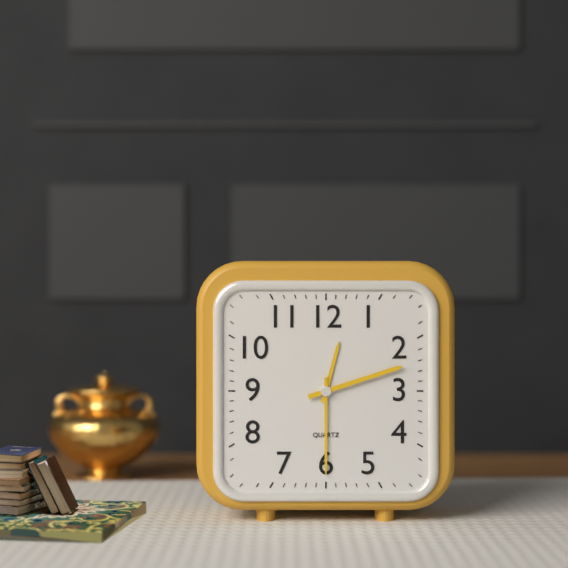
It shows 12 h 30 min 12 s
